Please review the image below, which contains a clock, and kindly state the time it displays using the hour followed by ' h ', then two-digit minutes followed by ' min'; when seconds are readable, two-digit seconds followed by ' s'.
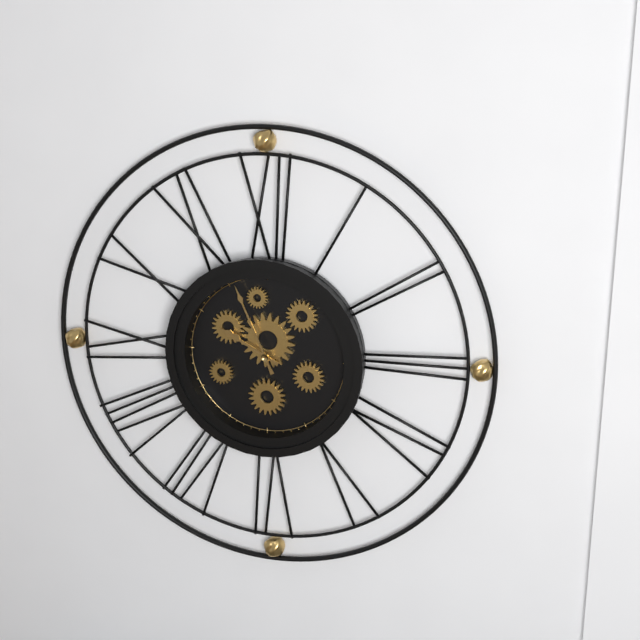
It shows 9 h 56 min
